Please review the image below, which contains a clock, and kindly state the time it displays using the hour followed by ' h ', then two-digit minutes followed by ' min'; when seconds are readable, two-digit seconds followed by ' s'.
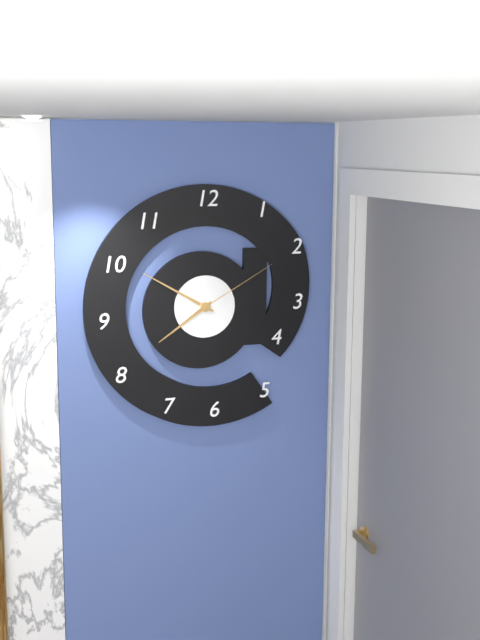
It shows 7 h 50 min 10 s
